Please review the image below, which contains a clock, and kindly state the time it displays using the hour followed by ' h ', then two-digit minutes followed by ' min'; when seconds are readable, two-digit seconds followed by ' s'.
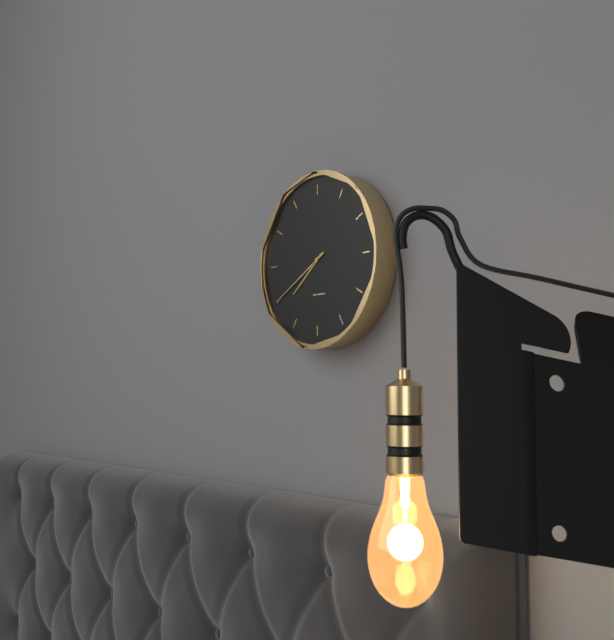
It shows 7 h 40 min
